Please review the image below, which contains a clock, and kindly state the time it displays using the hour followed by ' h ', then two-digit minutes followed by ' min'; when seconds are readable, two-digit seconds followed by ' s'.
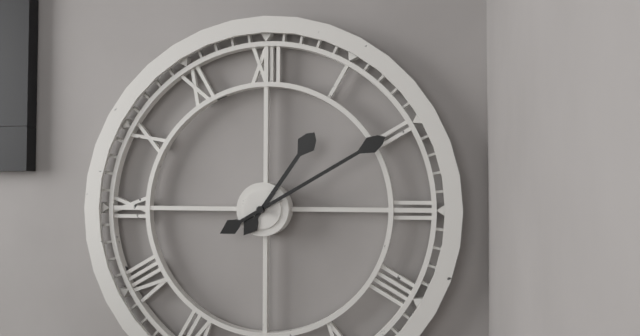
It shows 1 h 10 min
